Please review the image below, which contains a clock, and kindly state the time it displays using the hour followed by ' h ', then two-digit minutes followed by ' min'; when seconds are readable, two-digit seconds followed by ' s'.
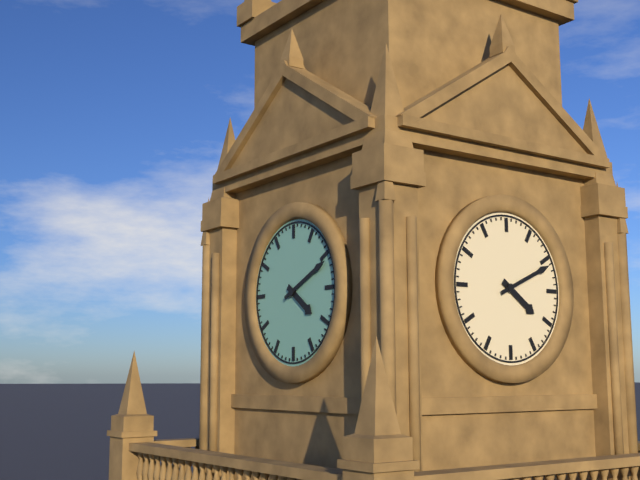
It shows 4 h 11 min
